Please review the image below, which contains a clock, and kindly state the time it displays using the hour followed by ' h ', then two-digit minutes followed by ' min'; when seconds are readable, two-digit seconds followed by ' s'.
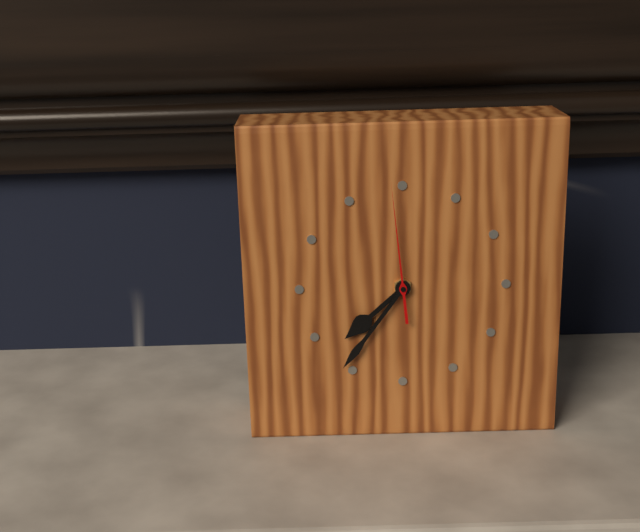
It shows 7 h 36 min 59 s
